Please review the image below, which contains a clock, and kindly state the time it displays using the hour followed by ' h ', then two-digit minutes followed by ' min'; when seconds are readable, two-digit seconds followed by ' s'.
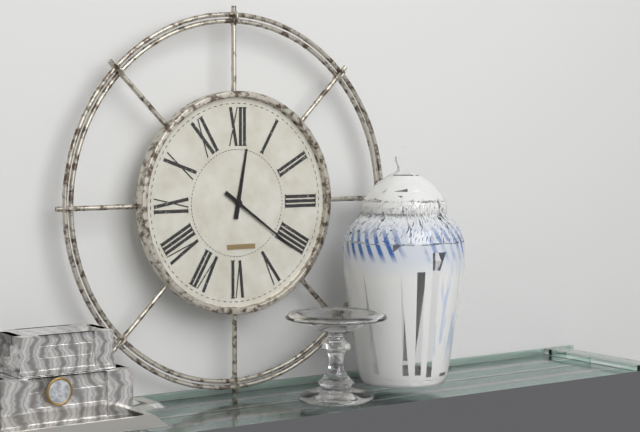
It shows 12 h 21 min
